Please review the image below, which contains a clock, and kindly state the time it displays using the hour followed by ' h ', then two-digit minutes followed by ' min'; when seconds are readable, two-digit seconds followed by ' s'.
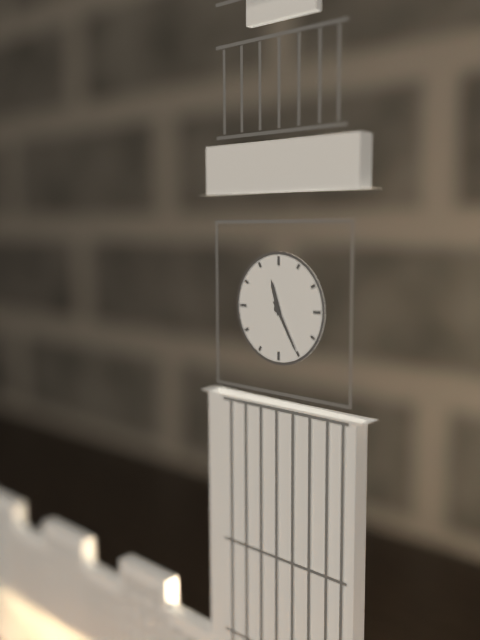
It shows 11 h 25 min
